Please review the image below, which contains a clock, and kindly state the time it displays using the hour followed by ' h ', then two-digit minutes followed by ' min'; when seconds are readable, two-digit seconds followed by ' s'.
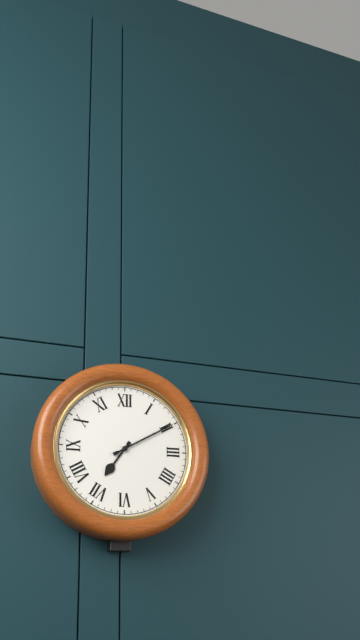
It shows 7 h 10 min
